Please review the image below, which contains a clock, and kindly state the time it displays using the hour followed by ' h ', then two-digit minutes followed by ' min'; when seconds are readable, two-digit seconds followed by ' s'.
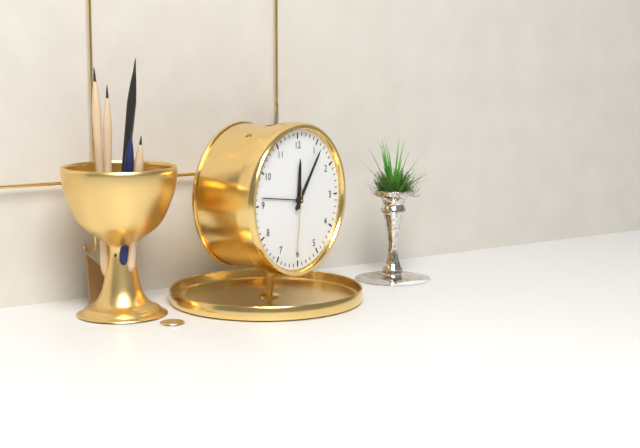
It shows 12 h 06 min 31 s
